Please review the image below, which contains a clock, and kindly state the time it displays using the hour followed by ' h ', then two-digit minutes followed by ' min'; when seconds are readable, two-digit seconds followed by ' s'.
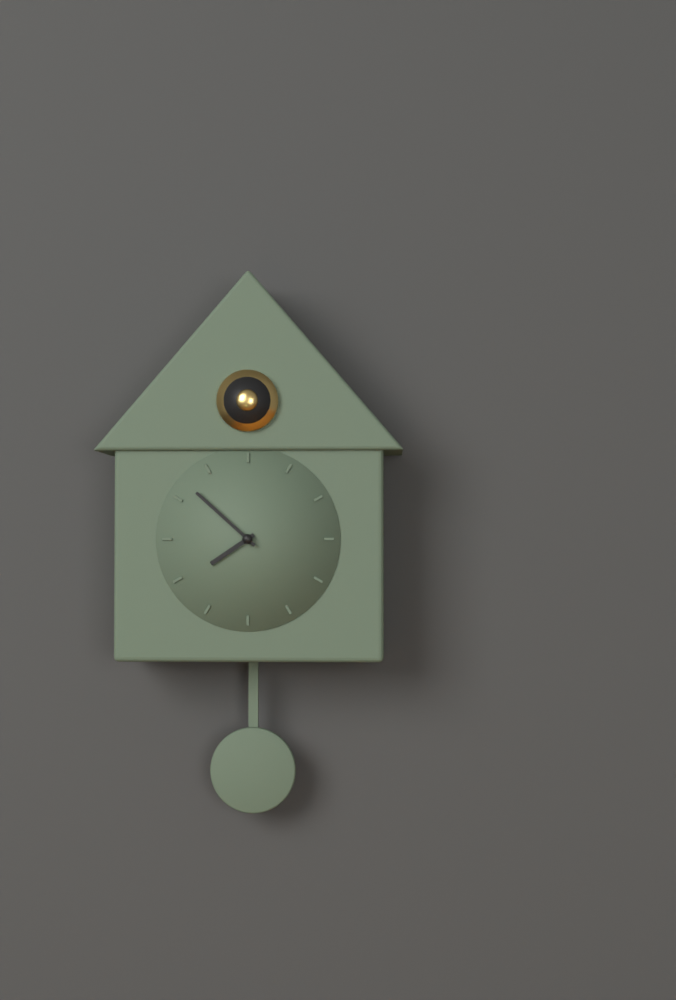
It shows 7 h 52 min
